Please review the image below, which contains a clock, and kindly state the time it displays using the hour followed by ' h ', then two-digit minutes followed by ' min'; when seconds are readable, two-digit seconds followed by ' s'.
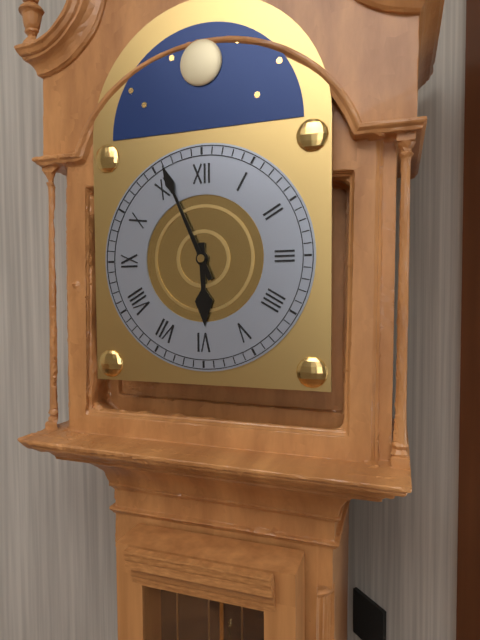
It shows 5 h 56 min
